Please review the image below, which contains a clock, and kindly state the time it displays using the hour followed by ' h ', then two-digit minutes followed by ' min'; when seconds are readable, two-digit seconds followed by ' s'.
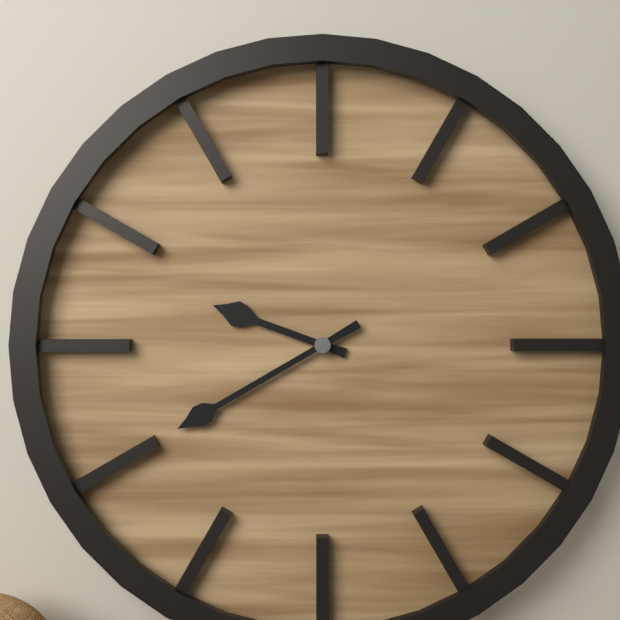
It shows 9 h 40 min
